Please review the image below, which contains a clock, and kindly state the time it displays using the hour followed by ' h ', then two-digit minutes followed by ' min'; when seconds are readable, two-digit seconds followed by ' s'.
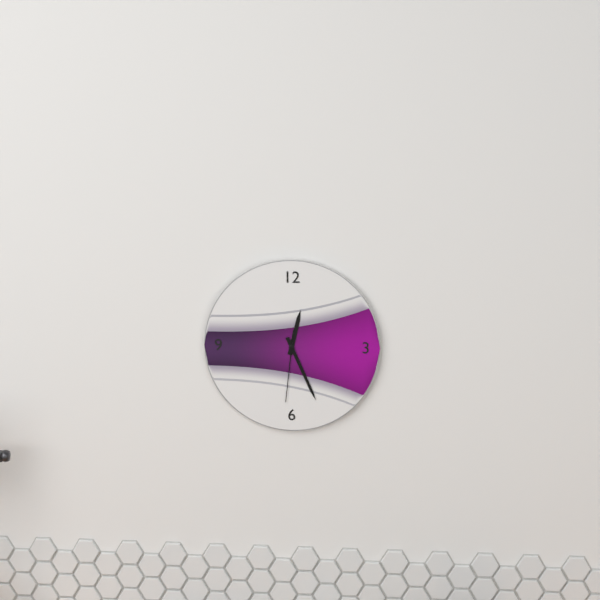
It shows 12 h 26 min 31 s
